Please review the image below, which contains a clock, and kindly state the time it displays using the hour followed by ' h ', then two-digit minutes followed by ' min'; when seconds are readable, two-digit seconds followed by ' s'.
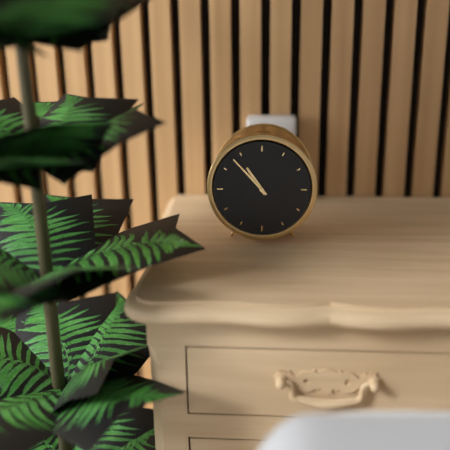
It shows 10 h 53 min
